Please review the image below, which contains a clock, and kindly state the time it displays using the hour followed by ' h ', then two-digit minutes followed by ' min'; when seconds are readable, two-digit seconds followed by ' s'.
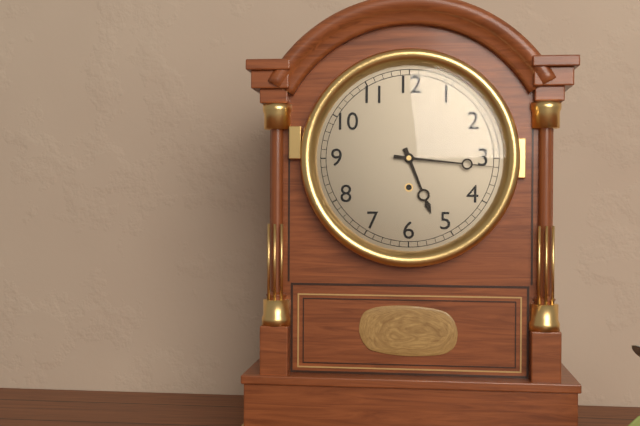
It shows 5 h 16 min
